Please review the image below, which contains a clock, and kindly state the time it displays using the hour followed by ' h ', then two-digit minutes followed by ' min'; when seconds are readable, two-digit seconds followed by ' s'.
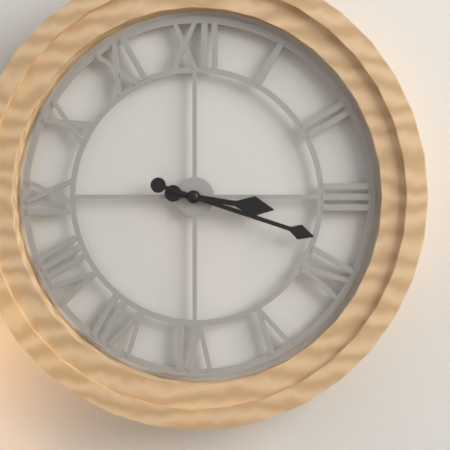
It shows 3 h 18 min
